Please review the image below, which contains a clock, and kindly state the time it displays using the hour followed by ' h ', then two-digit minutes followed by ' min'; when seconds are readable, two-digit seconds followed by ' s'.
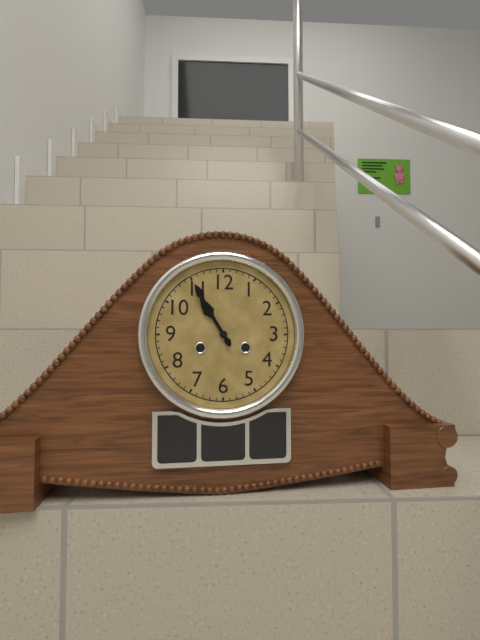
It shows 10 h 55 min
